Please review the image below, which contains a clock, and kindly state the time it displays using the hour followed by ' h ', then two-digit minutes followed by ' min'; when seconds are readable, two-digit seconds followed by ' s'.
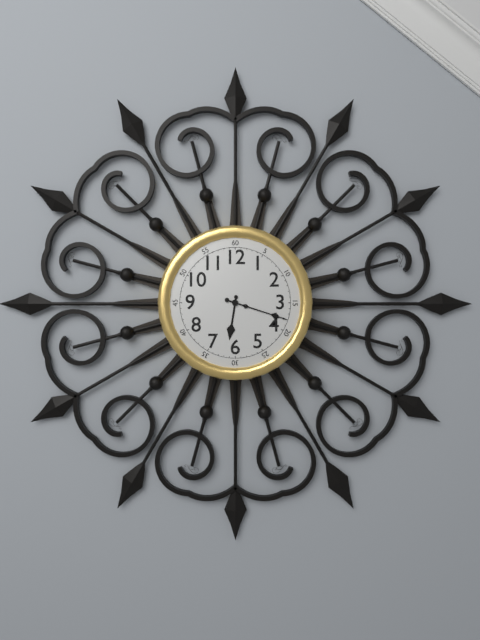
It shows 6 h 18 min
